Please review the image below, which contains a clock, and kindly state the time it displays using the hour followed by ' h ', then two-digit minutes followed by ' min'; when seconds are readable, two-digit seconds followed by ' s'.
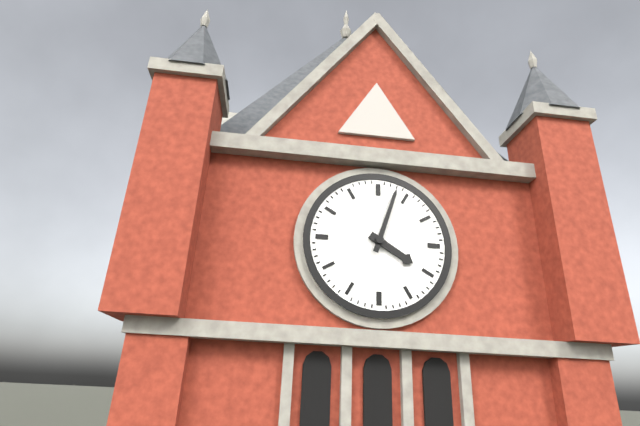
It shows 4 h 03 min
